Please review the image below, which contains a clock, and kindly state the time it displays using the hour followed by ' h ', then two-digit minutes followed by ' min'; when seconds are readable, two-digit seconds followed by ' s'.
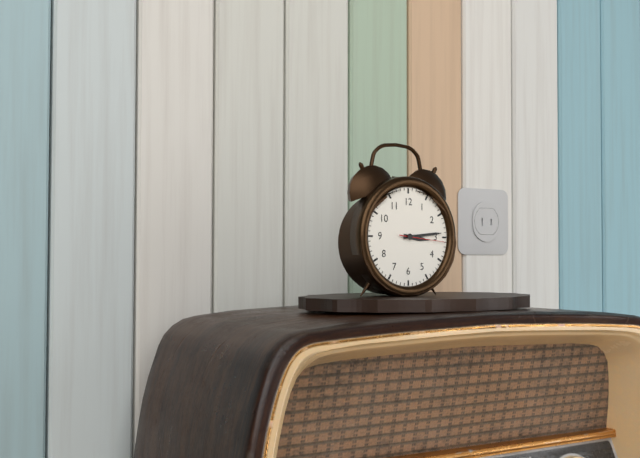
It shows 3 h 14 min
